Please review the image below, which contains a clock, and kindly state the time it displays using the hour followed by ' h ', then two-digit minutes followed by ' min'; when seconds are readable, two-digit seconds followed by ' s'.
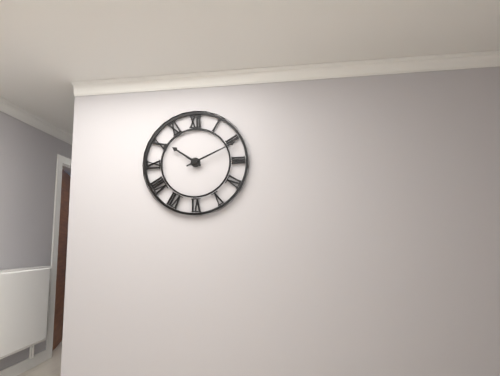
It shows 10 h 11 min
